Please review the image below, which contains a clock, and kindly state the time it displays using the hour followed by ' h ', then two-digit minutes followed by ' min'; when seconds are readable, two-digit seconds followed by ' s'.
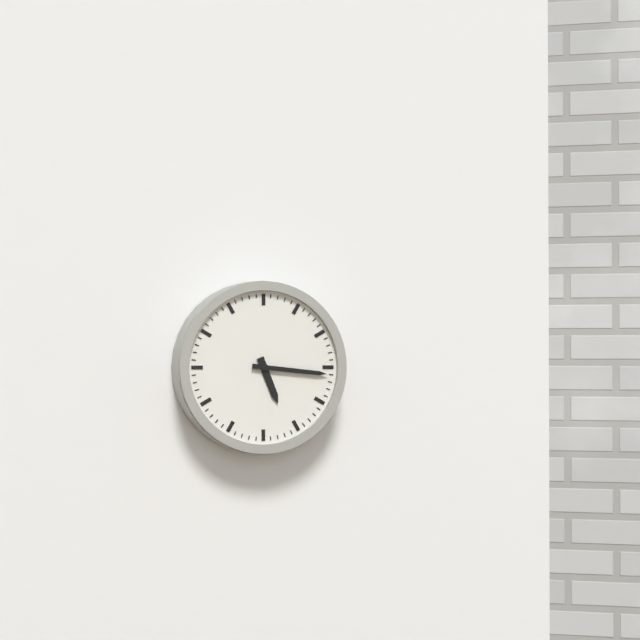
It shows 5 h 16 min
